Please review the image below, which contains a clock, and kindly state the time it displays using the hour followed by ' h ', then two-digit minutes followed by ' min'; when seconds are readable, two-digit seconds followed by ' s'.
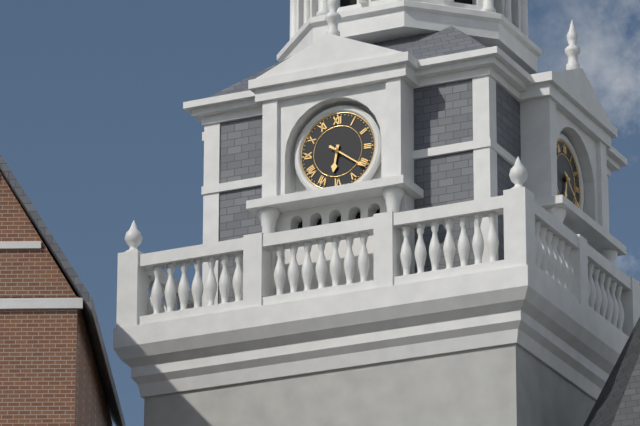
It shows 6 h 21 min
